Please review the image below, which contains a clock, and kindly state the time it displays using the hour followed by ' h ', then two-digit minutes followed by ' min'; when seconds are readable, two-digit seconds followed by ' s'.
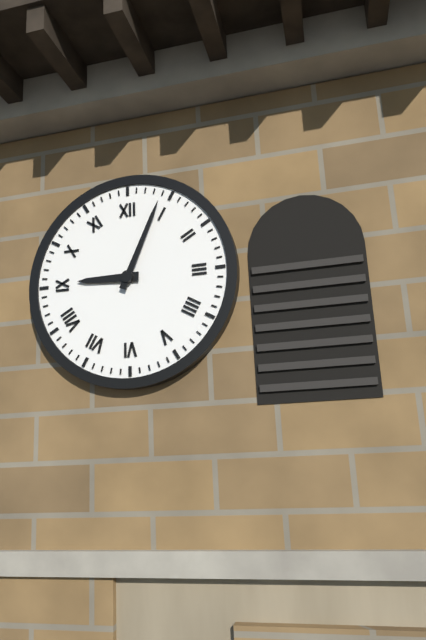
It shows 9 h 04 min
